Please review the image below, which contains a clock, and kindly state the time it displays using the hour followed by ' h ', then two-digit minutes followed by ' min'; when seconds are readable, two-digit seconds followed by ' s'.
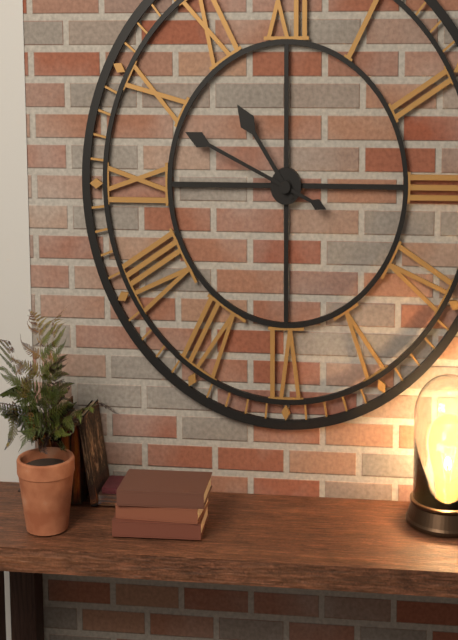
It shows 10 h 49 min
